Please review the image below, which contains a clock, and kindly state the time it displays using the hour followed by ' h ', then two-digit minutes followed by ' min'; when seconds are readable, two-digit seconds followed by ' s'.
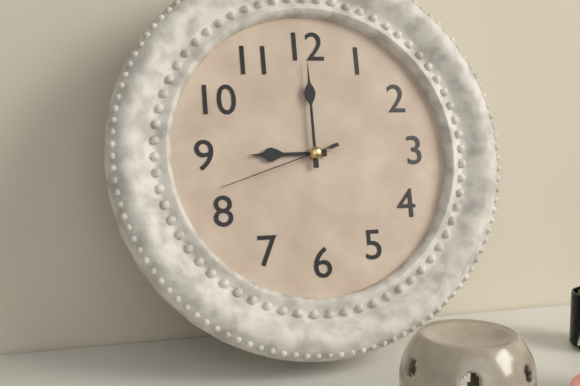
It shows 9 h 00 min 42 s
